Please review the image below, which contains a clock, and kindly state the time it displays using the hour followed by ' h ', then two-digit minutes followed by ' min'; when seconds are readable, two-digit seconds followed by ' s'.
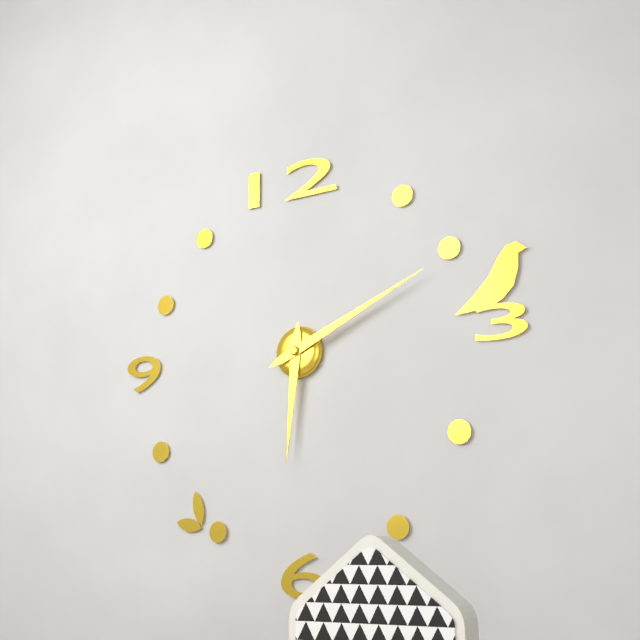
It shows 6 h 11 min
